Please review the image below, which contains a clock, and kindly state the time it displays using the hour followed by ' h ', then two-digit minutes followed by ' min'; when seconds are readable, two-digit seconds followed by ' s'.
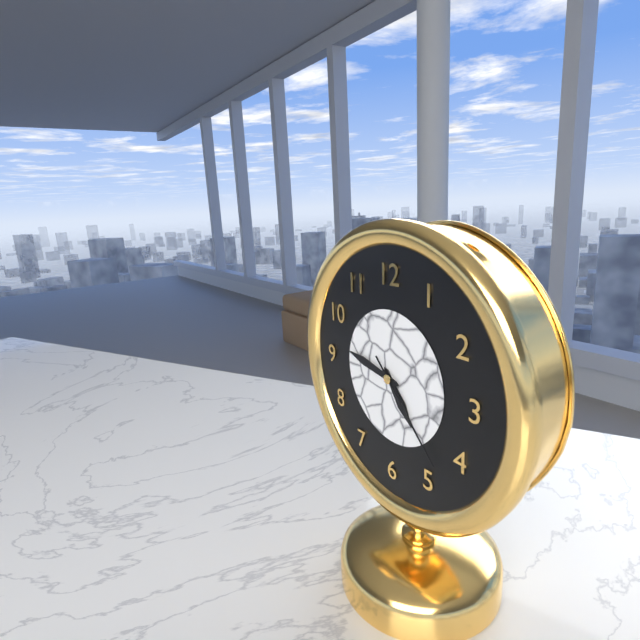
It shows 4 h 47 min 23 s
